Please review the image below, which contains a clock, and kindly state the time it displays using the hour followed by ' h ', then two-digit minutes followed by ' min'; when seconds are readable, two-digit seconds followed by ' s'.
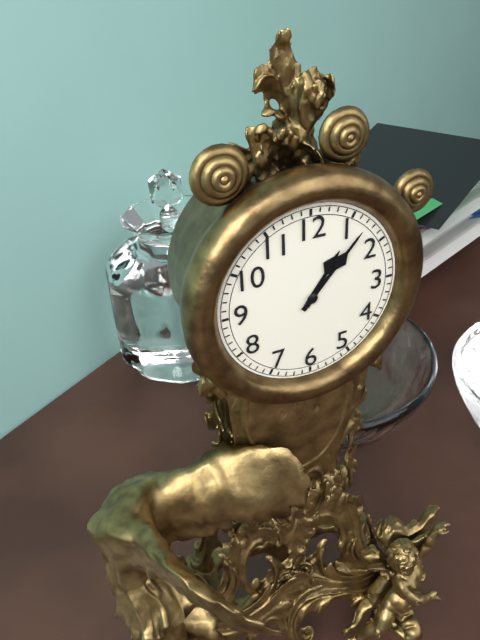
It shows 1 h 07 min
